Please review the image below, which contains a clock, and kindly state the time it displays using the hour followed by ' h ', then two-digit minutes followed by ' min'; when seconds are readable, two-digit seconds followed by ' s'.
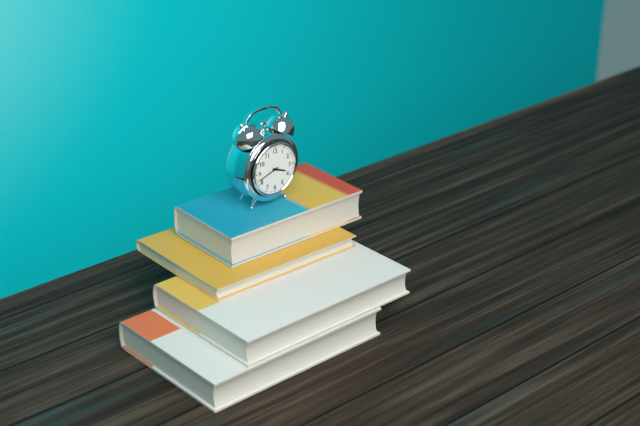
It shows 3 h 42 min
